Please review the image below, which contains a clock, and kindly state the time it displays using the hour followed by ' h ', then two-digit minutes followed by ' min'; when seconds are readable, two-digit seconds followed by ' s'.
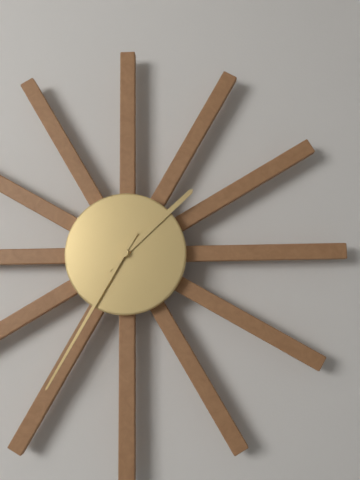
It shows 1 h 35 min
